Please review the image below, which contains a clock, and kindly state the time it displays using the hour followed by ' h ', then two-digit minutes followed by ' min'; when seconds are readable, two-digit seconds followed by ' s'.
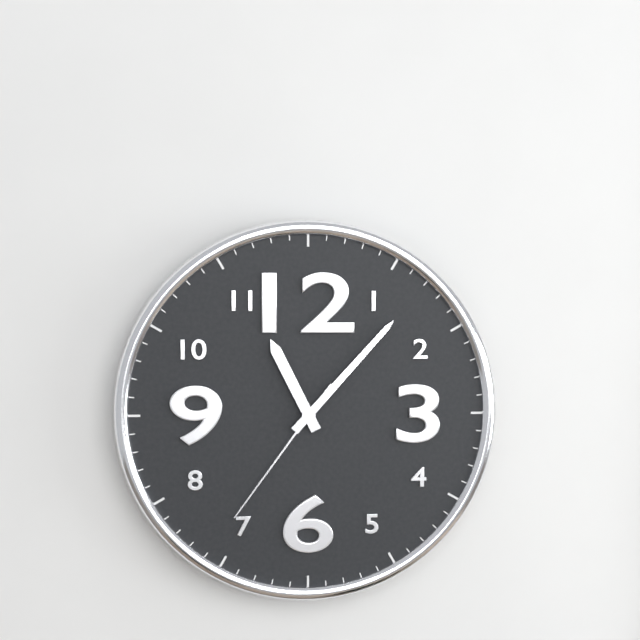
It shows 11 h 07 min 36 s
